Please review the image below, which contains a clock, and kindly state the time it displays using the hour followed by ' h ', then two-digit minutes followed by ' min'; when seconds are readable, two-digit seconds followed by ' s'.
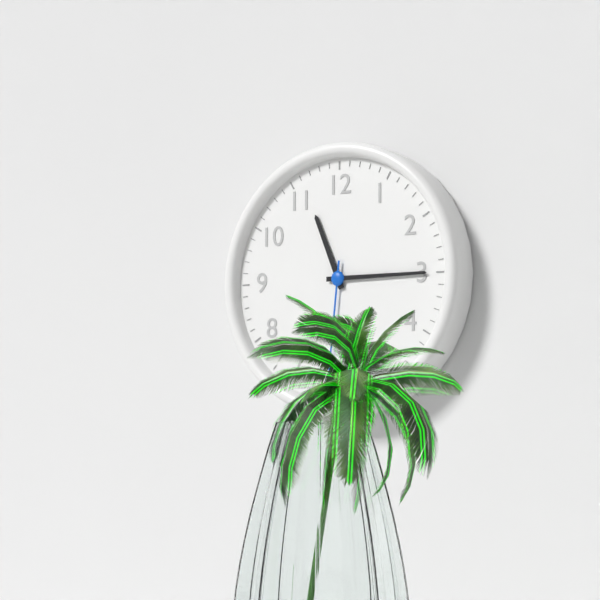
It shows 11 h 15 min
